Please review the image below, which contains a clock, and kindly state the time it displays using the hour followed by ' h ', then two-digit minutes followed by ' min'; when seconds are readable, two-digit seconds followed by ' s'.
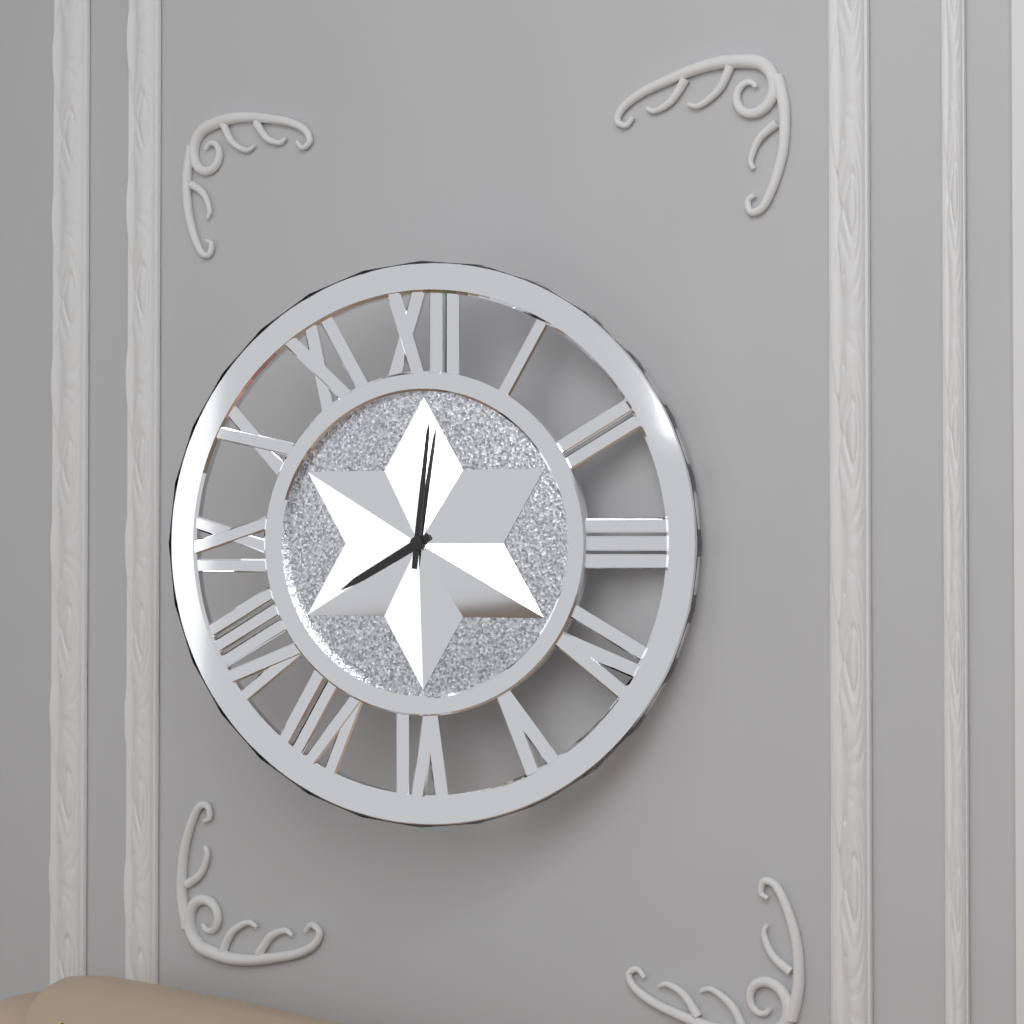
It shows 8 h 01 min
